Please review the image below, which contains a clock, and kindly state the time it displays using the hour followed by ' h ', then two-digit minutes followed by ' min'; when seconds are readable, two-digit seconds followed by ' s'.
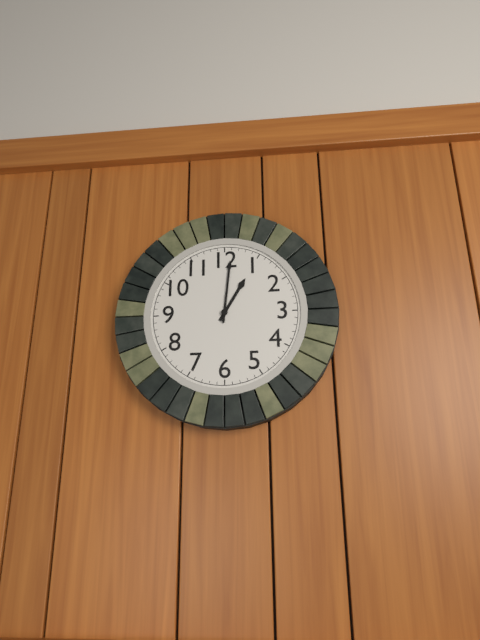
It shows 1 h 01 min
